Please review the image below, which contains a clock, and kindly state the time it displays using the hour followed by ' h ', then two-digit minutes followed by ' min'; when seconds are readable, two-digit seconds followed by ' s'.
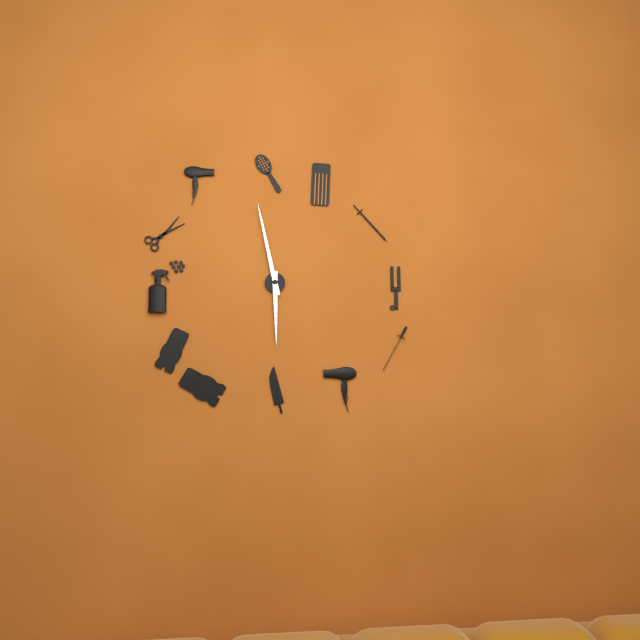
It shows 5 h 58 min
